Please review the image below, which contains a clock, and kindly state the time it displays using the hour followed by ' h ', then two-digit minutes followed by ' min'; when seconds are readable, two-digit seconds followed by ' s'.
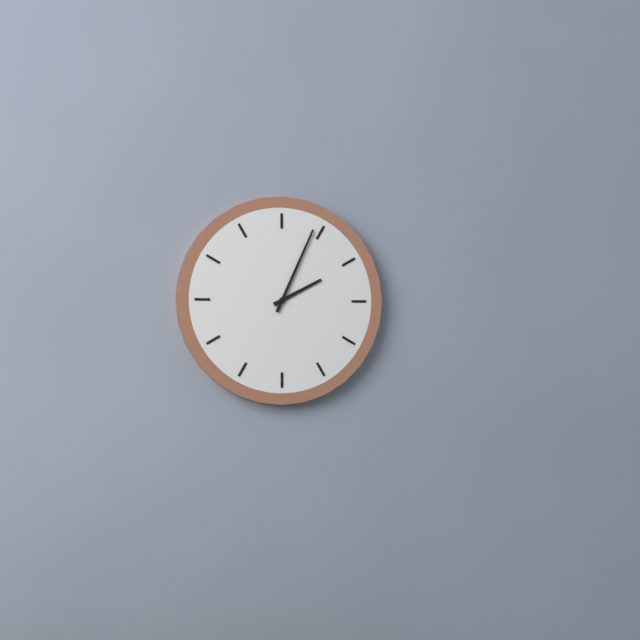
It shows 2 h 04 min
